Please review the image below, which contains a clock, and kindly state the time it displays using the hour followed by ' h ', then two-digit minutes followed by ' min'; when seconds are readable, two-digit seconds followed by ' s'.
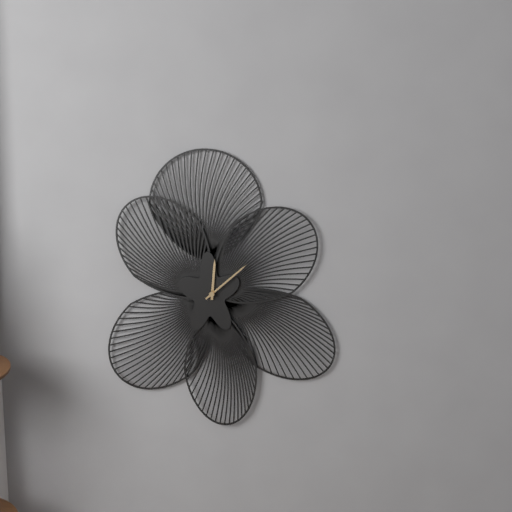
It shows 12 h 08 min
